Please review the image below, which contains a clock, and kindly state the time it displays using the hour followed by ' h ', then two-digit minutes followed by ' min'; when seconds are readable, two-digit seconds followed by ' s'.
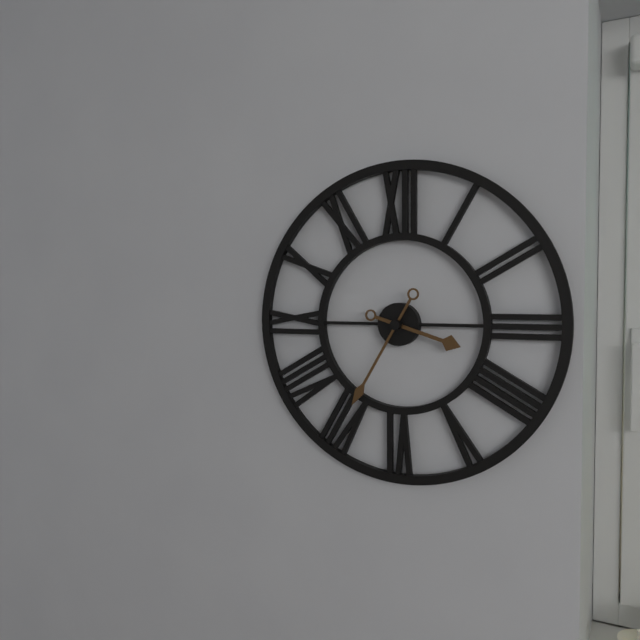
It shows 3 h 35 min
